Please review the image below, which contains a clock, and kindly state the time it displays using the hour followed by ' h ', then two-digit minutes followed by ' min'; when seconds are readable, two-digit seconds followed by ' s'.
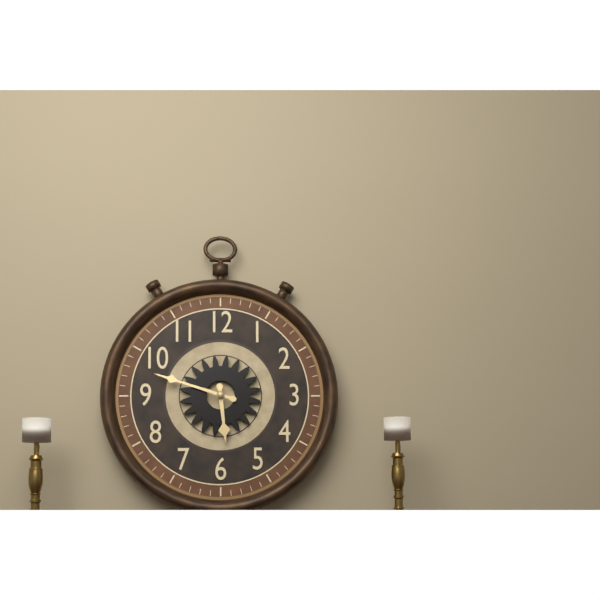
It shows 5 h 48 min
